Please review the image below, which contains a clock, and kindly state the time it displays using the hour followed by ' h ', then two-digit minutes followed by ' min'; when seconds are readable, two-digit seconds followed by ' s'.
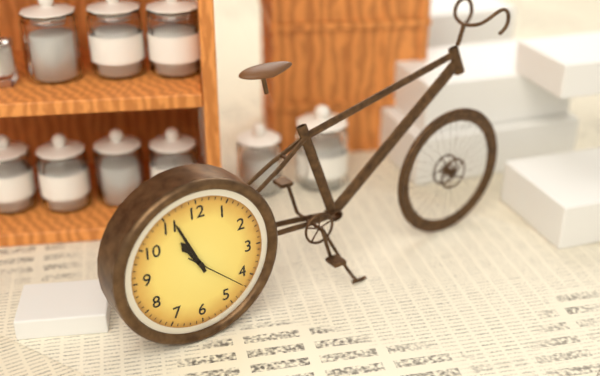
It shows 10 h 56 min 22 s
